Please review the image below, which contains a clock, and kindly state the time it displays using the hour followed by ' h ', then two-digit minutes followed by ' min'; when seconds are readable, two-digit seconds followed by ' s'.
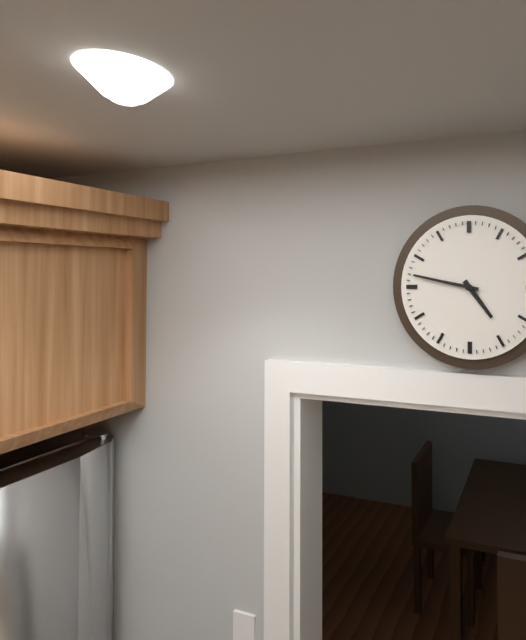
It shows 4 h 47 min
